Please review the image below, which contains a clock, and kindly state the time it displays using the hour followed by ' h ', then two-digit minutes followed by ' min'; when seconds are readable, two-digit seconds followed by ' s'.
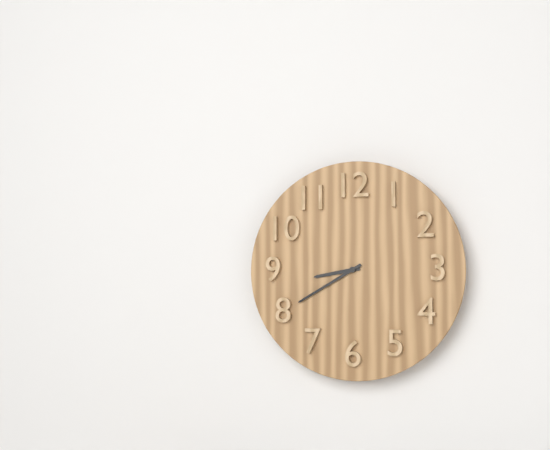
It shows 8 h 40 min
